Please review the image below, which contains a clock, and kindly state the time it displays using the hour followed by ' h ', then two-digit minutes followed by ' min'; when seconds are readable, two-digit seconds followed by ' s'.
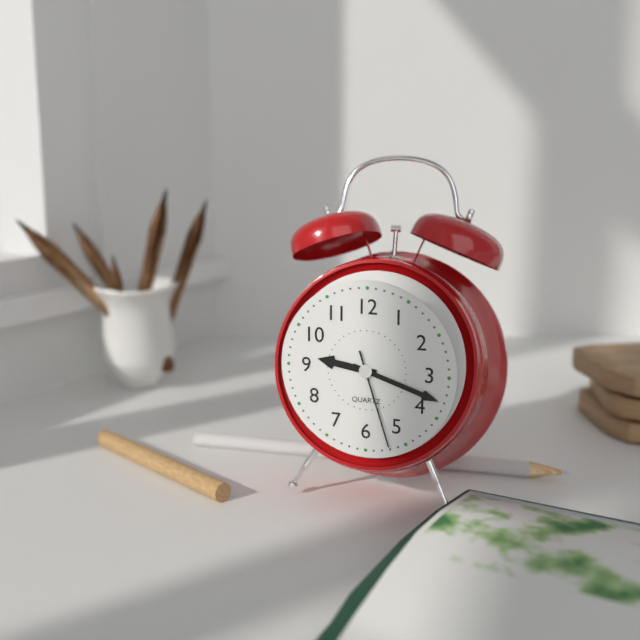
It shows 9 h 18 min 27 s
